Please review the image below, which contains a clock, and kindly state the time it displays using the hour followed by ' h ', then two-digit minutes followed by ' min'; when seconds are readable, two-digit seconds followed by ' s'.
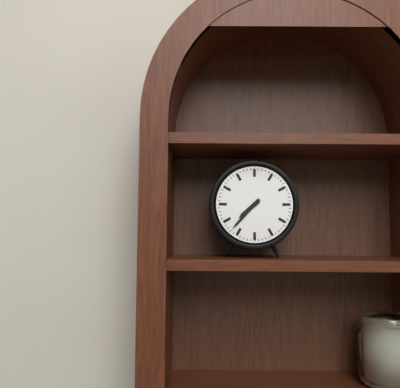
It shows 7 h 37 min
